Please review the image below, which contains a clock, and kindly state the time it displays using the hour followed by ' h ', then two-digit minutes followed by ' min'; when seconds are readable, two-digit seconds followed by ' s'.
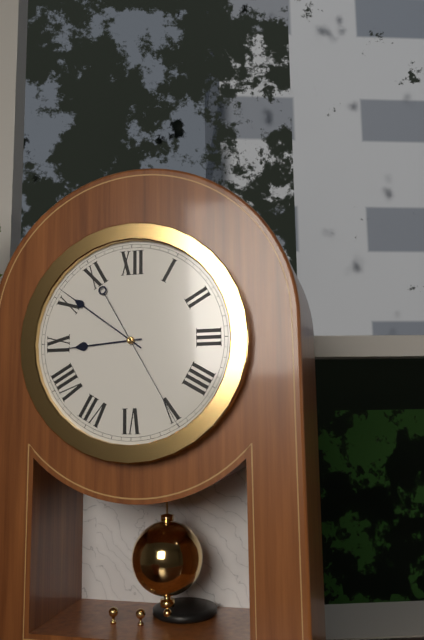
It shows 8 h 51 min 25 s
